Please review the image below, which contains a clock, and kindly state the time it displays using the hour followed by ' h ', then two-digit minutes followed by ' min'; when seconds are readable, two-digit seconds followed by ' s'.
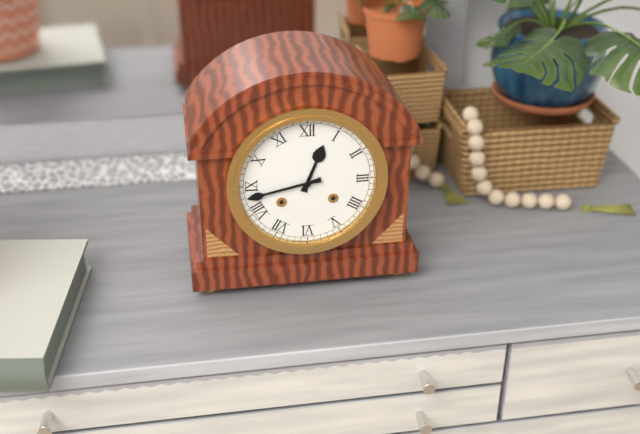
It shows 12 h 43 min
